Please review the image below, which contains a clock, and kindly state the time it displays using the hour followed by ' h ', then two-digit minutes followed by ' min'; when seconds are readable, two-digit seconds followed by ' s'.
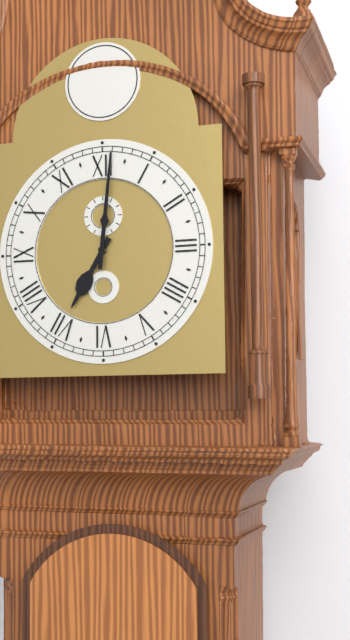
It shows 7 h 01 min
